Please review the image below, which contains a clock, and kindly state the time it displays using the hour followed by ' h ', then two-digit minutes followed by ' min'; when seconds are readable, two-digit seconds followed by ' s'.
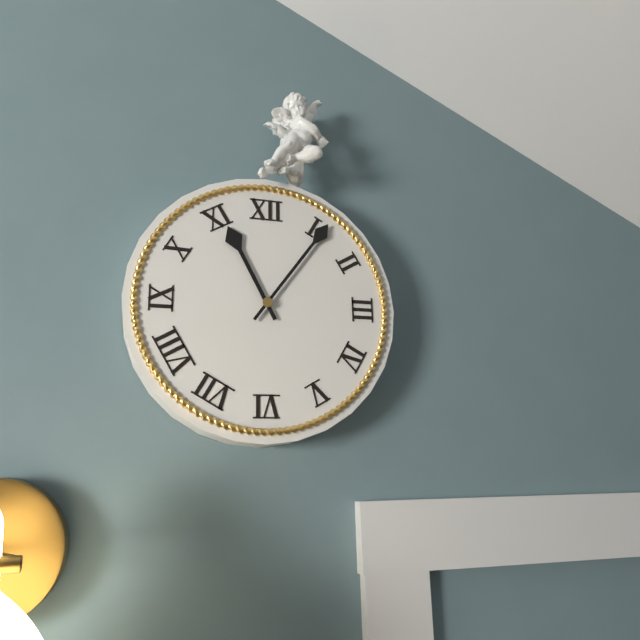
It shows 11 h 06 min
